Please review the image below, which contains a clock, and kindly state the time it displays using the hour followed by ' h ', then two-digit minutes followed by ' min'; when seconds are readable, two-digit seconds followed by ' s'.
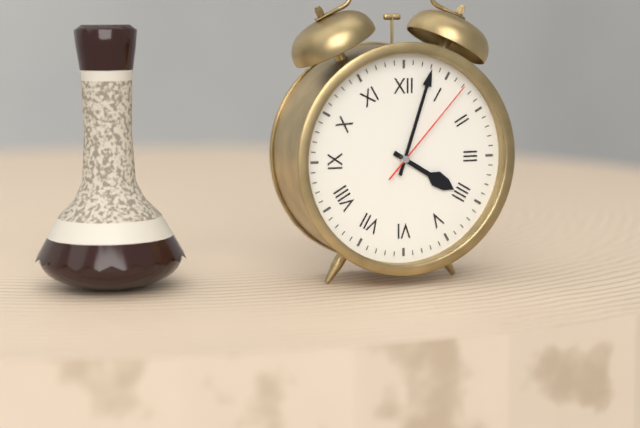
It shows 4 h 03 min 07 s
